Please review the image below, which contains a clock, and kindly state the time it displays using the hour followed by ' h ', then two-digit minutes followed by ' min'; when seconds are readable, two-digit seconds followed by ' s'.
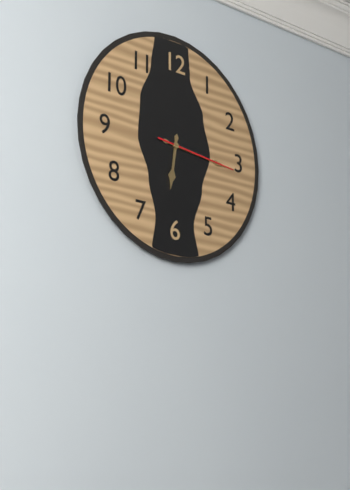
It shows 6 h 16 min 16 s
